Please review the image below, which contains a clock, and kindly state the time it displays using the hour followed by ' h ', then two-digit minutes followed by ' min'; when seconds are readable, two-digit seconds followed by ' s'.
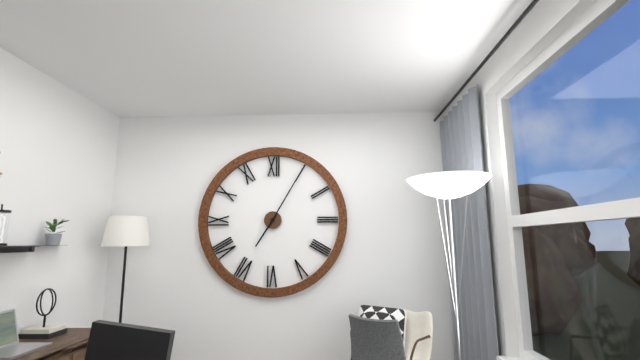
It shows 7 h 05 min
